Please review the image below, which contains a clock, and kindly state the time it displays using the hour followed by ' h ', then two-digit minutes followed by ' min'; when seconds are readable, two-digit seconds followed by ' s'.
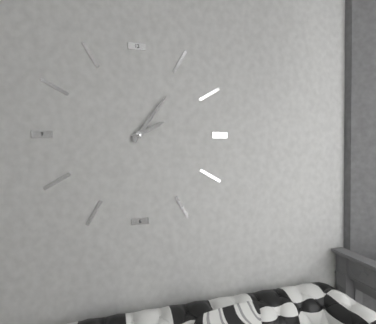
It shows 2 h 06 min
